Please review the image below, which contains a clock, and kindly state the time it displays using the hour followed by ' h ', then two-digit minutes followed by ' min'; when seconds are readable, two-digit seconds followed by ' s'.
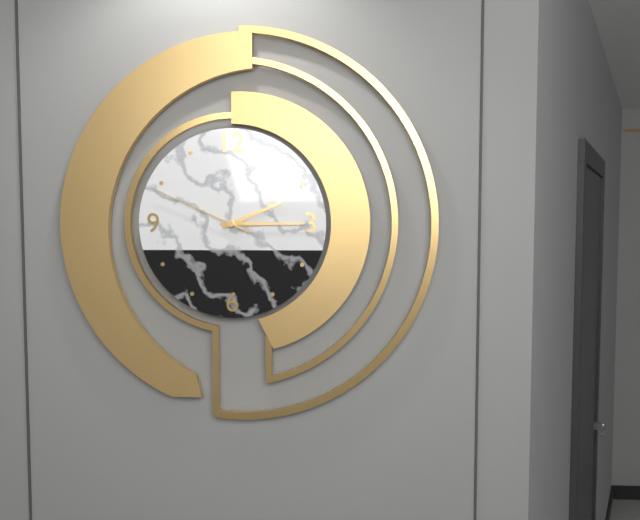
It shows 2 h 15 min 49 s
